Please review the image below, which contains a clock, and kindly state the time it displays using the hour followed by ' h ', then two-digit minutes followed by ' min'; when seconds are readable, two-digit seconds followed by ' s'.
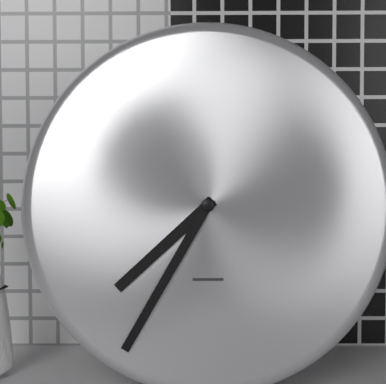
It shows 7 h 35 min
